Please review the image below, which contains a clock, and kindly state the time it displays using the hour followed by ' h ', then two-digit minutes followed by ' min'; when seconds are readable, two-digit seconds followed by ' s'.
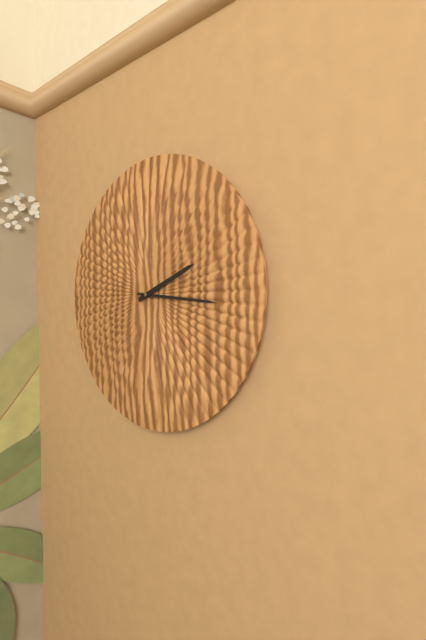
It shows 2 h 16 min
